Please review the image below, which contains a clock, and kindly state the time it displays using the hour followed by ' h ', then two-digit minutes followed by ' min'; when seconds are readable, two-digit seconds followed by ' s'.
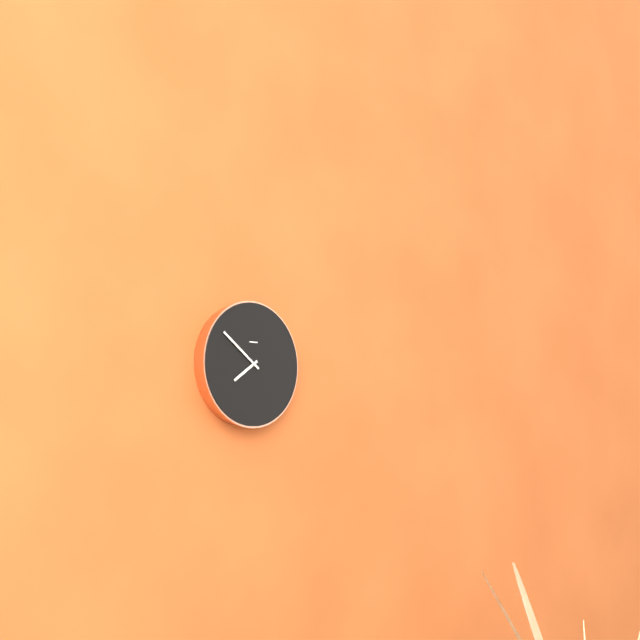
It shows 7 h 51 min
